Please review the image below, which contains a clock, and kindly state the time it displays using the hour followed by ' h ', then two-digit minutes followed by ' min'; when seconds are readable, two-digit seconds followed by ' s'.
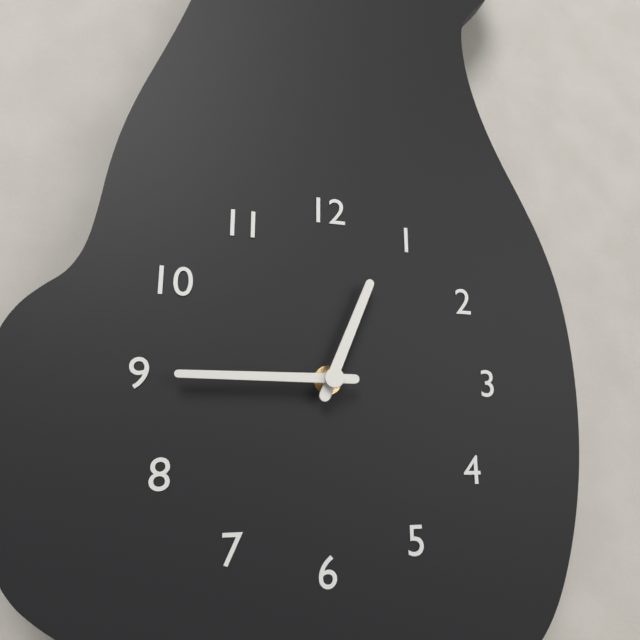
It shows 12 h 45 min
